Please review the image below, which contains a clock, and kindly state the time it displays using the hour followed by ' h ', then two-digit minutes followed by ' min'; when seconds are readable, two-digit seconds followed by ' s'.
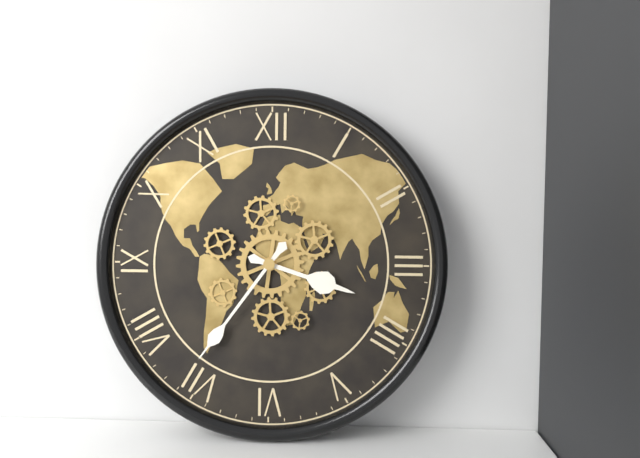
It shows 3 h 36 min
